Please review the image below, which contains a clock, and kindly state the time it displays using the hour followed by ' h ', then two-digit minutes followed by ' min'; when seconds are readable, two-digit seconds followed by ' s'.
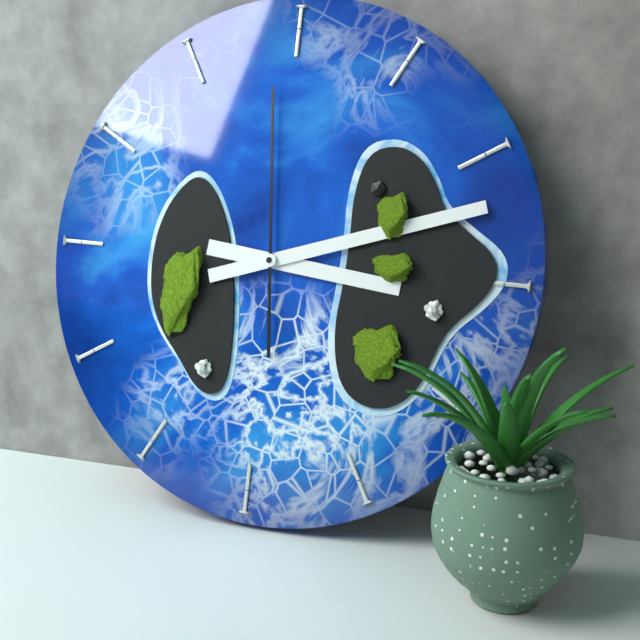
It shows 3 h 12 min 59 s
